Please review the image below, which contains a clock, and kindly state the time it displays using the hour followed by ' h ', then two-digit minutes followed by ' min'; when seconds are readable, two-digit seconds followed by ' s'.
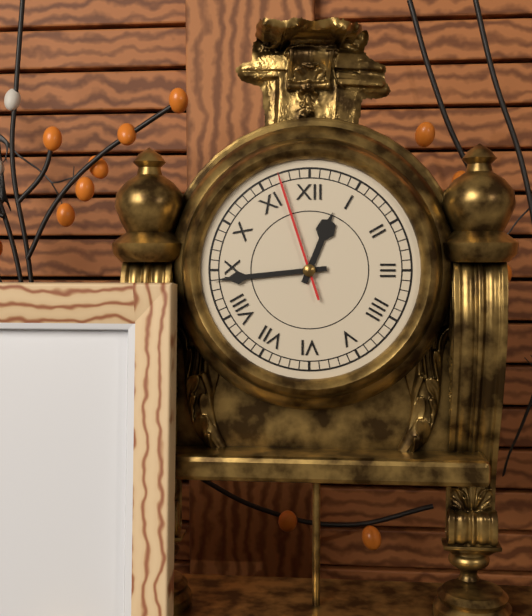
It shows 12 h 44 min 57 s
